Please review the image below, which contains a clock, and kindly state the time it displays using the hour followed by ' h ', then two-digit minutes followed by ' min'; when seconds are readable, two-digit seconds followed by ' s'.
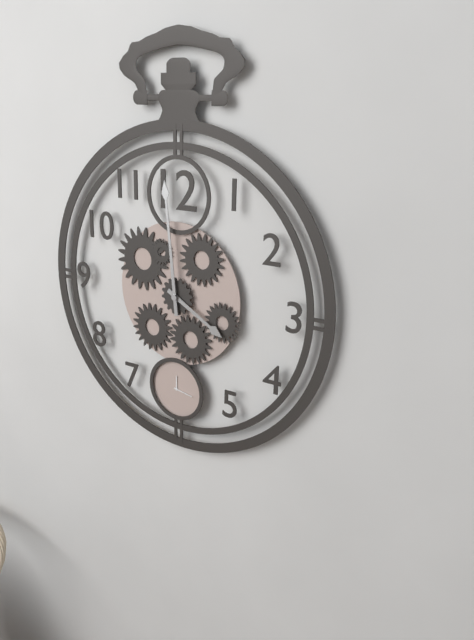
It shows 3 h 59 min
